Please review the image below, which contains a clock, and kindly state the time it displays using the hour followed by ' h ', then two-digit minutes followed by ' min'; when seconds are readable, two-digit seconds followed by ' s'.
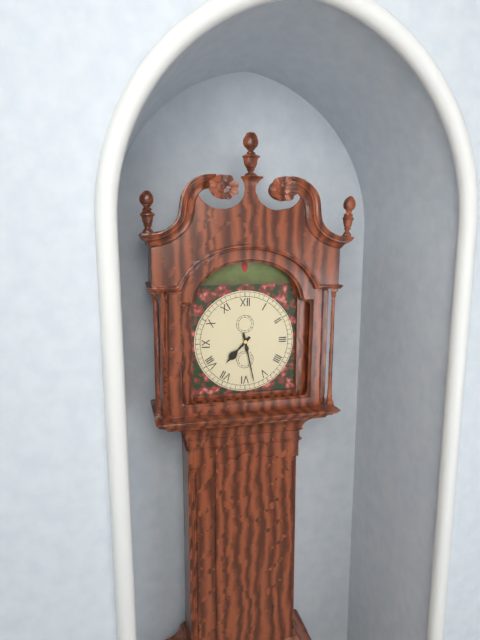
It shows 7 h 28 min
